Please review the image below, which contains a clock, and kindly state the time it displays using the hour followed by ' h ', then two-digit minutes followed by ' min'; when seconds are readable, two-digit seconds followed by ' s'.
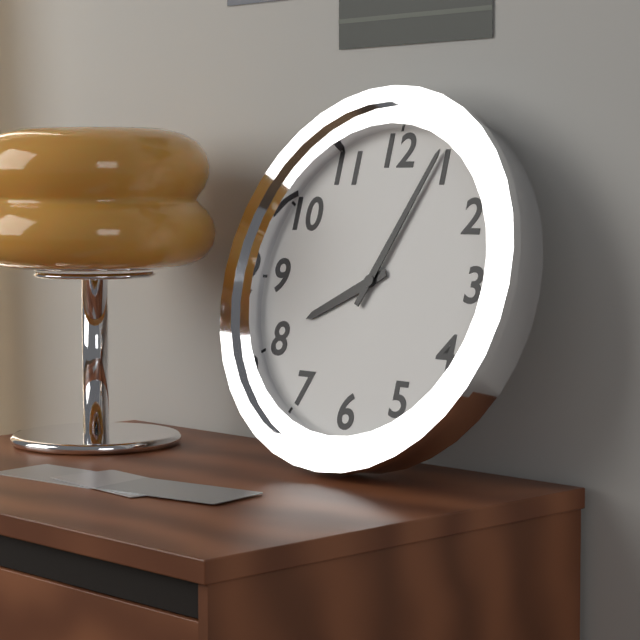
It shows 8 h 04 min
